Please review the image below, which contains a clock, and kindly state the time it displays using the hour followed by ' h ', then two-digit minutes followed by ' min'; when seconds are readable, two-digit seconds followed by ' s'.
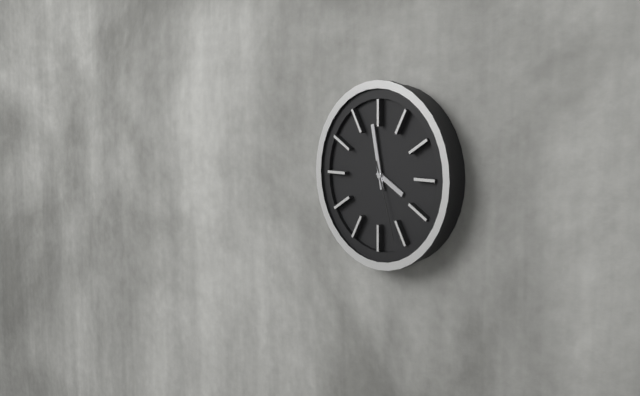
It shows 3 h 58 min 27 s
